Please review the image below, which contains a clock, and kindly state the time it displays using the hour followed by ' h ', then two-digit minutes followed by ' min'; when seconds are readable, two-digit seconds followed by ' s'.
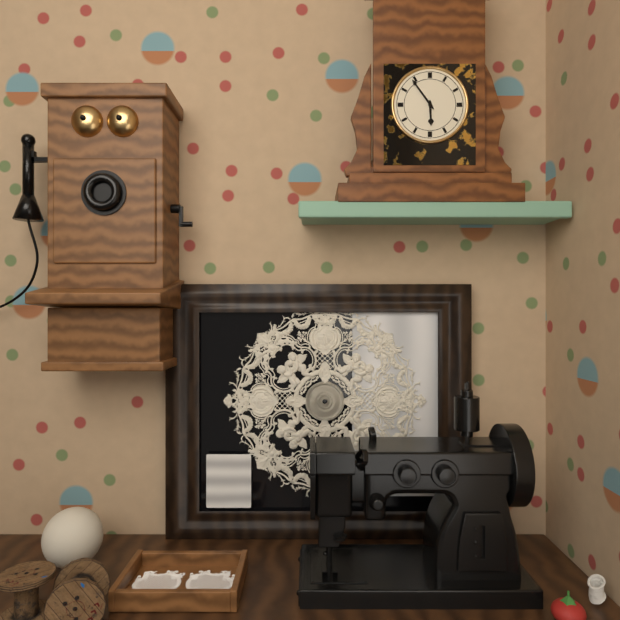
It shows 5 h 54 min
